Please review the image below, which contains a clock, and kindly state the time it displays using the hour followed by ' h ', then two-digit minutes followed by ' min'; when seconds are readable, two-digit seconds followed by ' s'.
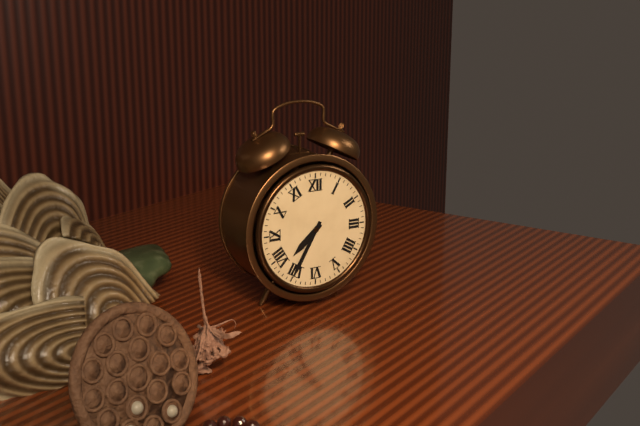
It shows 7 h 35 min
